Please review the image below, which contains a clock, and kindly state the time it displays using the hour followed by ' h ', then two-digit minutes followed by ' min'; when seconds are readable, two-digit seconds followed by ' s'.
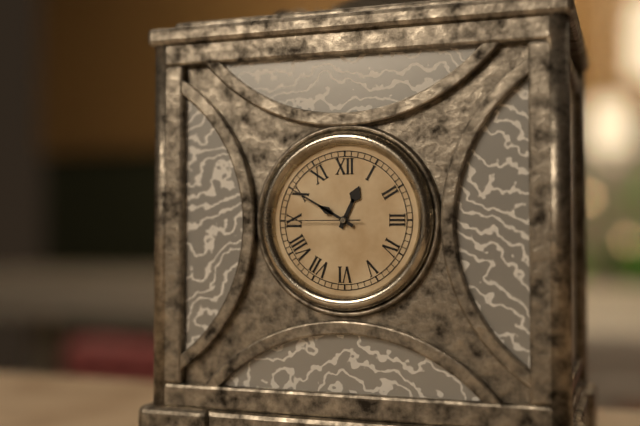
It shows 12 h 50 min 45 s
